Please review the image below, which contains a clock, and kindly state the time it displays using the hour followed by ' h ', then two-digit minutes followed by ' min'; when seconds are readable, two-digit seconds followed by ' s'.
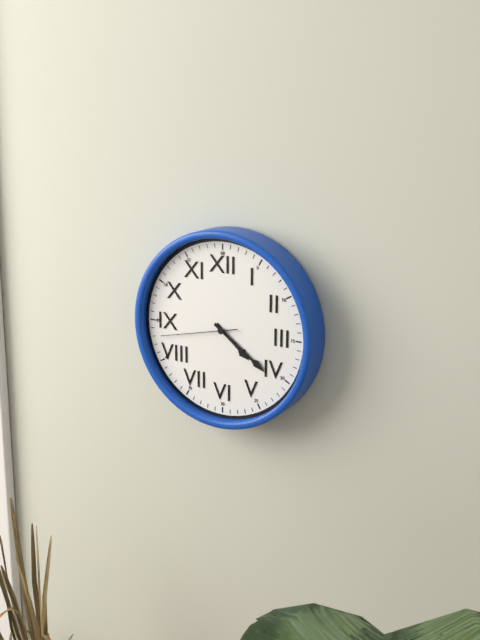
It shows 4 h 21 min 43 s
